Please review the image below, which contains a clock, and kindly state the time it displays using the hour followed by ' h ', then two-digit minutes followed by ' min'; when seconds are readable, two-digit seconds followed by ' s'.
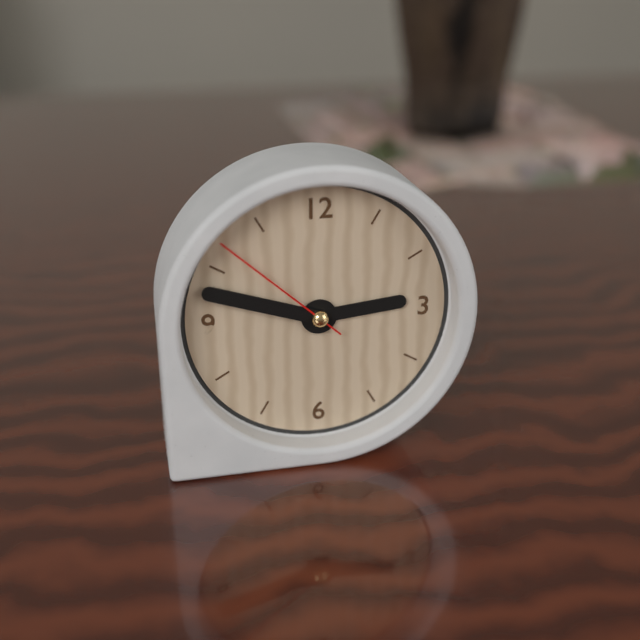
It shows 2 h 48 min 52 s
